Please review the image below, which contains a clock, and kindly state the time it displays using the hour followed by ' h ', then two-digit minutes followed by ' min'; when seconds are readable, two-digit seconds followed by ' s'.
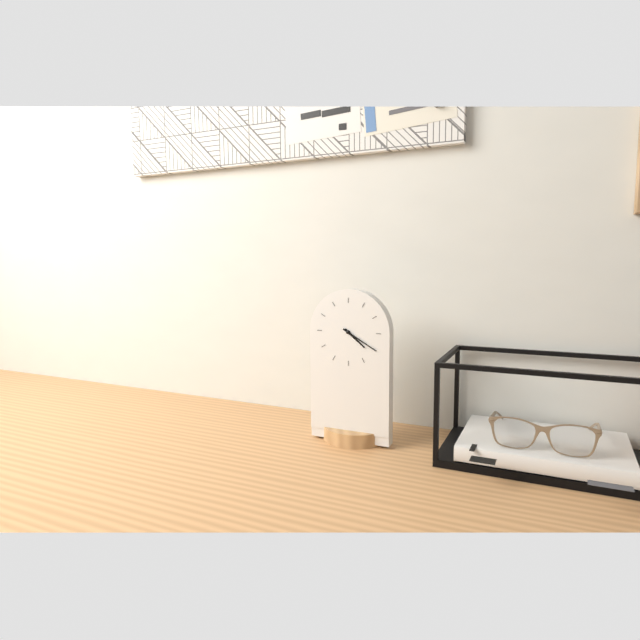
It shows 4 h 20 min
